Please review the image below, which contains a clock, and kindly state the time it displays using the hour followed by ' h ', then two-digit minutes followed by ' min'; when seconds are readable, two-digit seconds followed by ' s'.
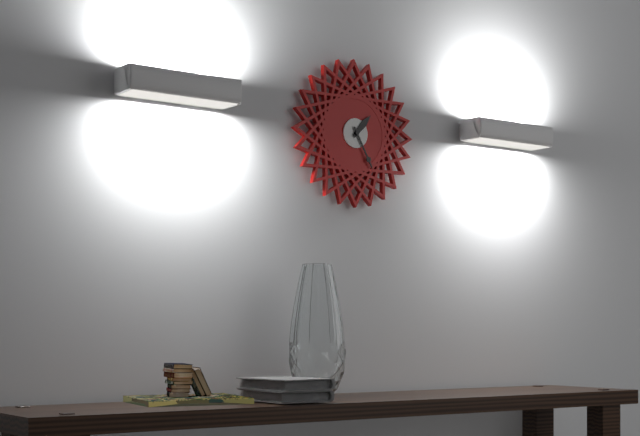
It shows 1 h 25 min
